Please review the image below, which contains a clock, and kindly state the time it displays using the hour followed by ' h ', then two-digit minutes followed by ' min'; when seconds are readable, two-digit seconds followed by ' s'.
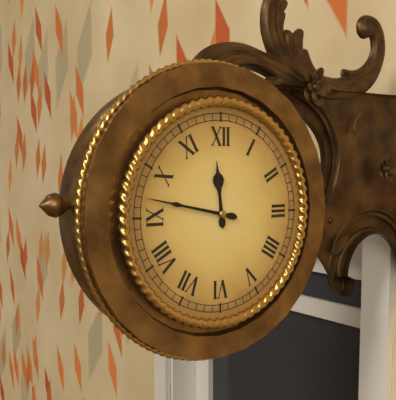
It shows 11 h 47 min
